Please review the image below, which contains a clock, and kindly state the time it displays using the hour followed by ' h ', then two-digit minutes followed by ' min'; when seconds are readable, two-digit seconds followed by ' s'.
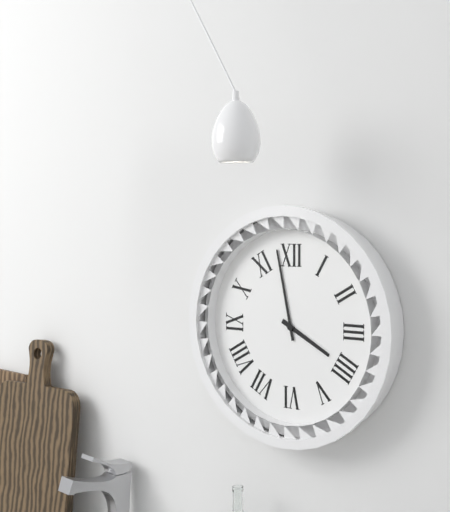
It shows 3 h 58 min
